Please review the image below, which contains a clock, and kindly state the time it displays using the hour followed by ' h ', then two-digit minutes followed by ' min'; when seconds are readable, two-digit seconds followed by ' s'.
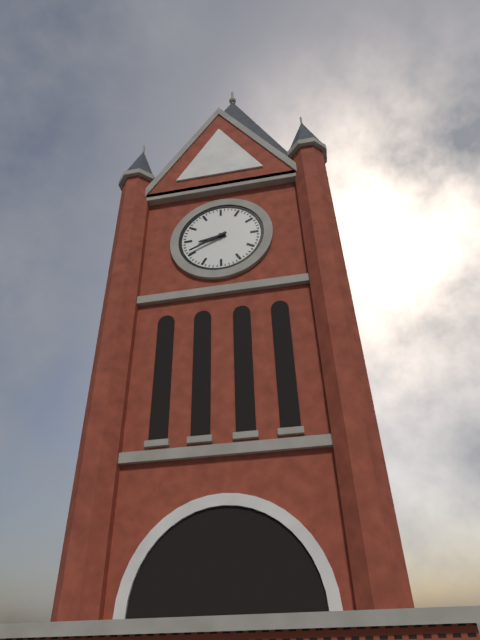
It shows 8 h 41 min
